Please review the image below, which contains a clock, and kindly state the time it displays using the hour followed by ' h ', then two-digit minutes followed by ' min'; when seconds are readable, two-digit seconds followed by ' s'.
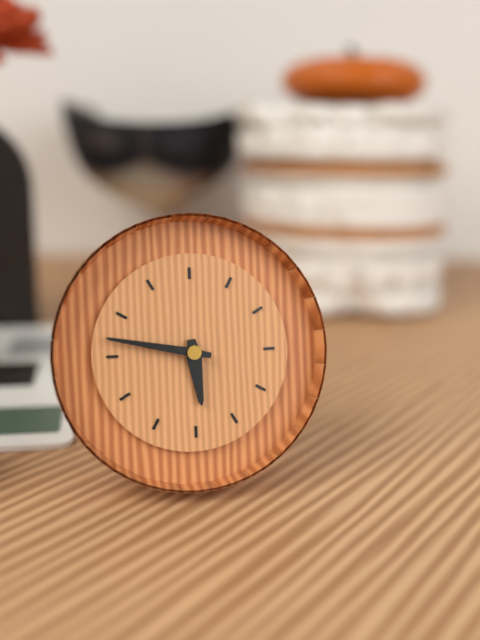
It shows 5 h 47 min
